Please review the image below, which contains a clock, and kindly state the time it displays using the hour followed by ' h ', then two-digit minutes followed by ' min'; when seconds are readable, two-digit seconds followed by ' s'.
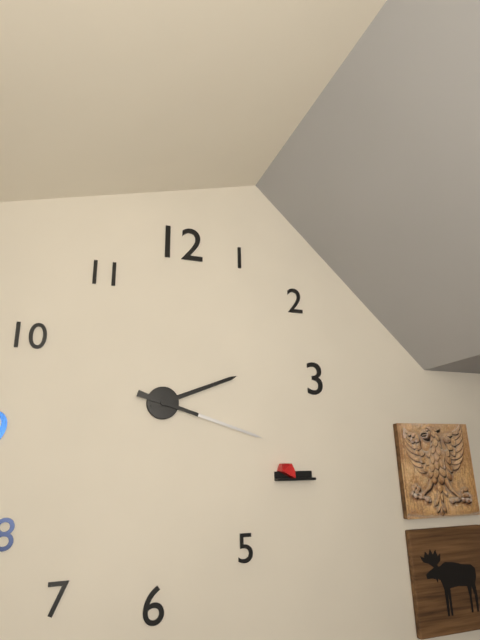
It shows 2 h 18 min
